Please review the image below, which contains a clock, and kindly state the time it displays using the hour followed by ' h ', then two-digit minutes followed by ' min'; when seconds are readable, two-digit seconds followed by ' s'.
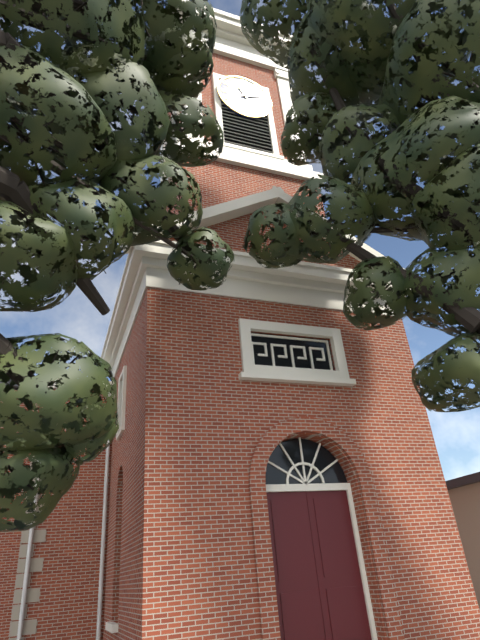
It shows 11 h 12 min
